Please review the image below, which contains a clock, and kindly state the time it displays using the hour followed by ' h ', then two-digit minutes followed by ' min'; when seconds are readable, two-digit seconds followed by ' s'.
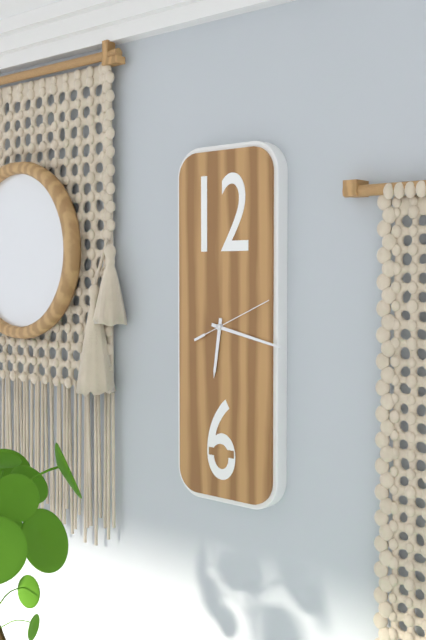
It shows 6 h 17 min 11 s
